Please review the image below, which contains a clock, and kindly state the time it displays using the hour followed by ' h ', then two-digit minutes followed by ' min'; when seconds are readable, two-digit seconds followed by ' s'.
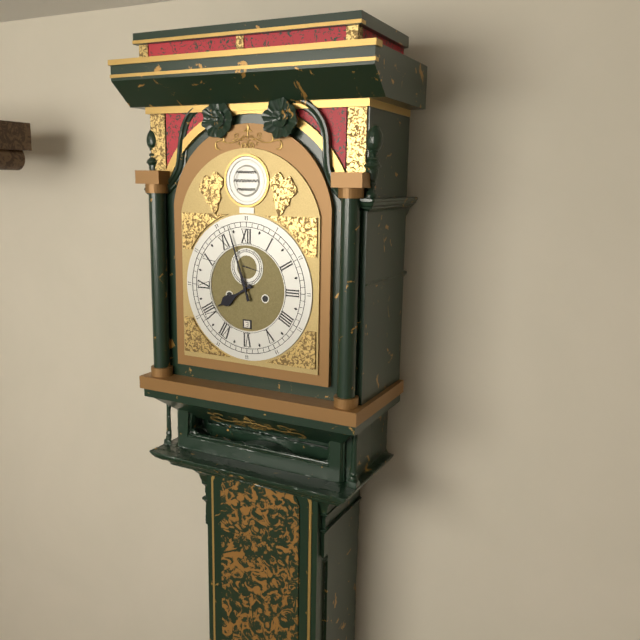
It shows 7 h 57 min
